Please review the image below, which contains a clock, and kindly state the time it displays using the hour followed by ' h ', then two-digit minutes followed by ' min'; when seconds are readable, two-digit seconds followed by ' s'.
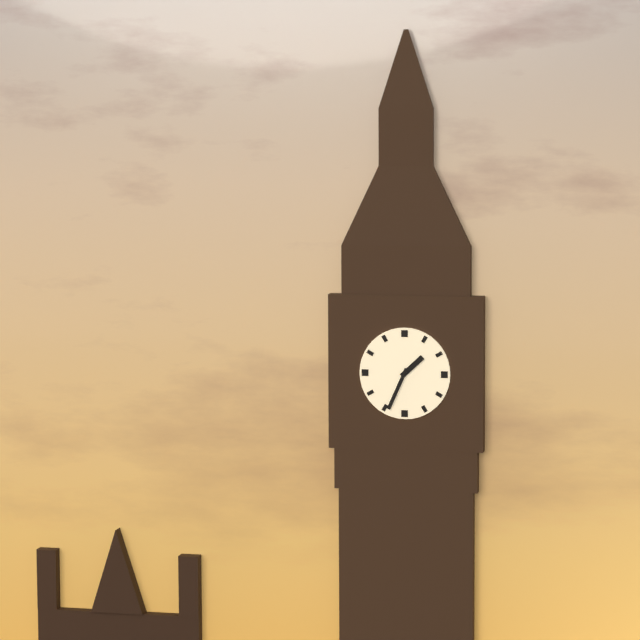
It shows 1 h 34 min
